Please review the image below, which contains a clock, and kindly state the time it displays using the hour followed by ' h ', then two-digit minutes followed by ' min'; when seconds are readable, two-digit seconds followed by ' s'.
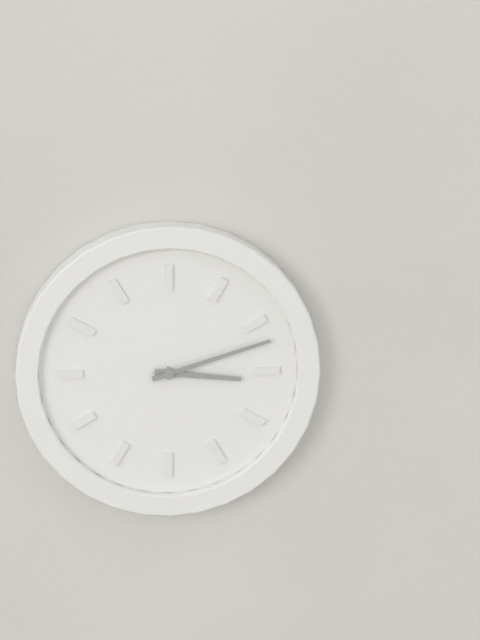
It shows 3 h 12 min
